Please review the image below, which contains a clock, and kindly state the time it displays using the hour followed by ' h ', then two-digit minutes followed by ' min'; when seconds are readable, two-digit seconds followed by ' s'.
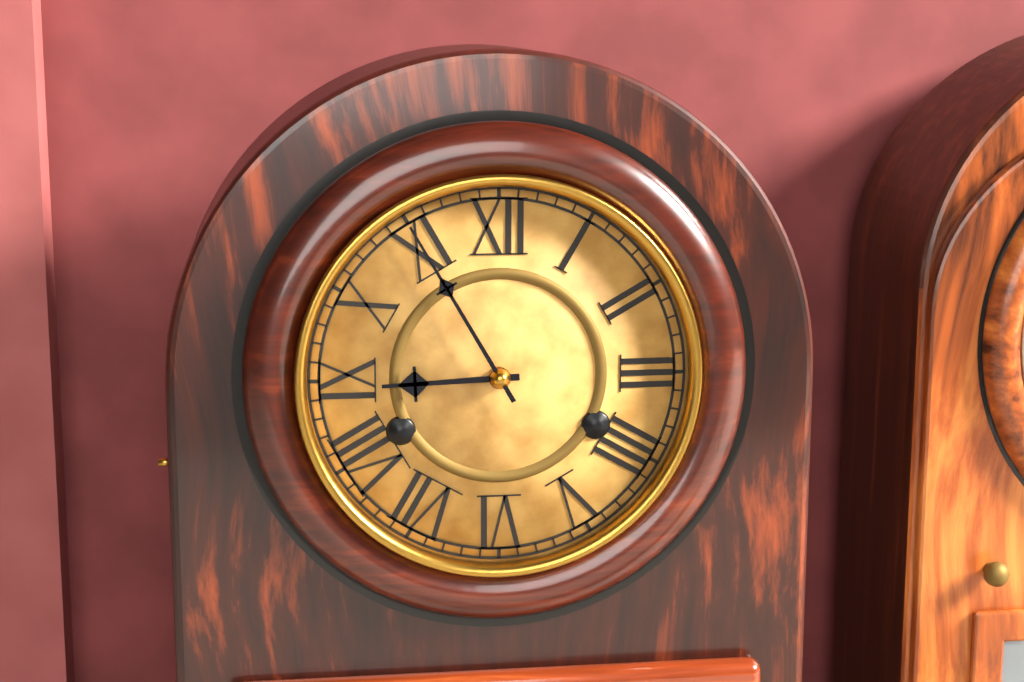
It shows 8 h 55 min
